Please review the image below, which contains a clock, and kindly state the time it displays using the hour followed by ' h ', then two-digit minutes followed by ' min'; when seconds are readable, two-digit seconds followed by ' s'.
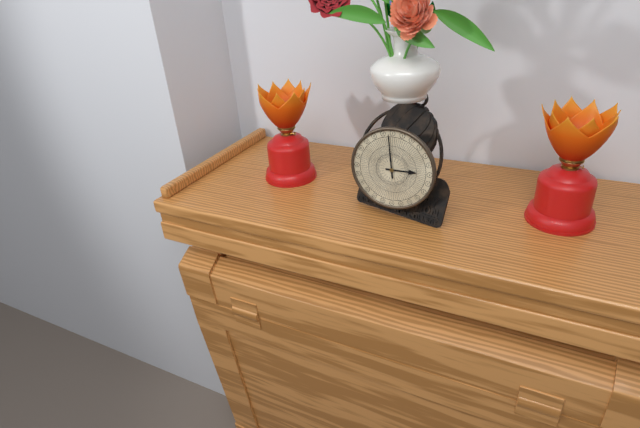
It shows 2 h 59 min
